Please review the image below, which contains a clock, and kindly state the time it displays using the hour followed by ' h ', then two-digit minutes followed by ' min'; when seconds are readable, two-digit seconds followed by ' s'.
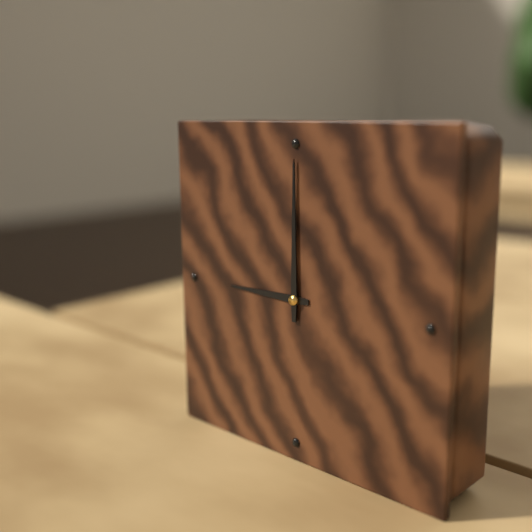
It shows 9 h 00 min
